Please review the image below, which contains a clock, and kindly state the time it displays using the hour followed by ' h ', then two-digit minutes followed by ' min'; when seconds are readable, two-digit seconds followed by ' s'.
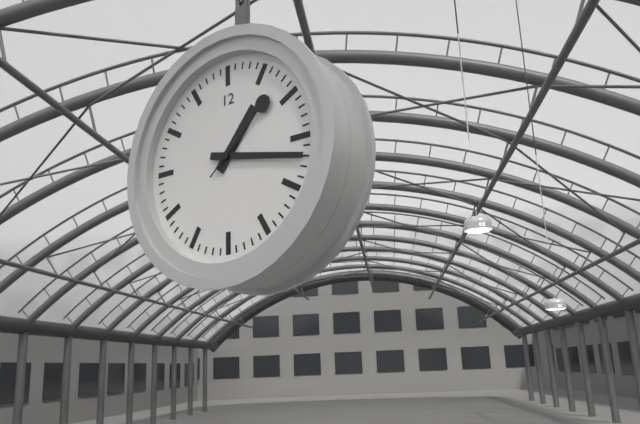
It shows 1 h 17 min 08 s
